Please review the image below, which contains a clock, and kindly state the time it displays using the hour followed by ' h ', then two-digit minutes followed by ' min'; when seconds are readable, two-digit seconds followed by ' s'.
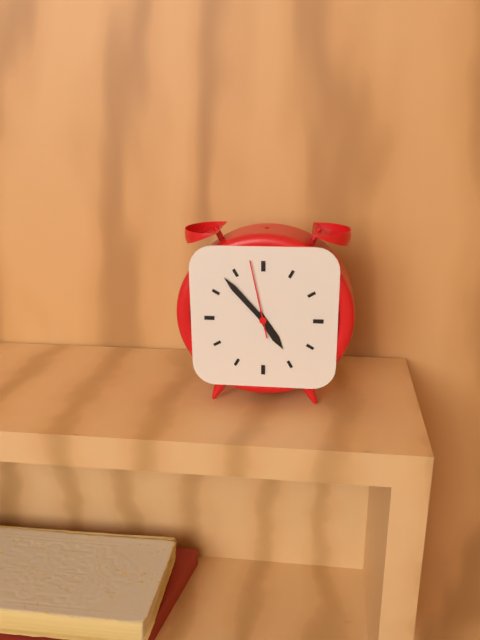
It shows 4 h 53 min 58 s
